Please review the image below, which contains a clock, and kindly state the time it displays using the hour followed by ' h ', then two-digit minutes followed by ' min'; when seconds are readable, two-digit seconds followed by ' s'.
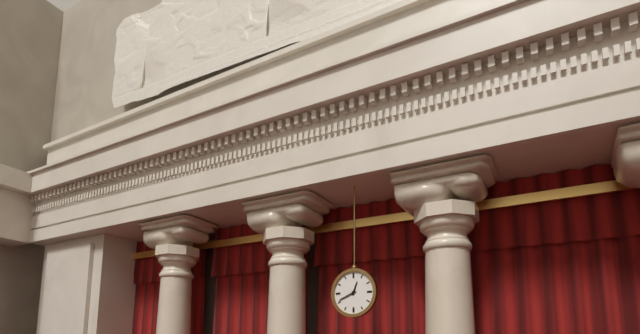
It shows 12 h 41 min
